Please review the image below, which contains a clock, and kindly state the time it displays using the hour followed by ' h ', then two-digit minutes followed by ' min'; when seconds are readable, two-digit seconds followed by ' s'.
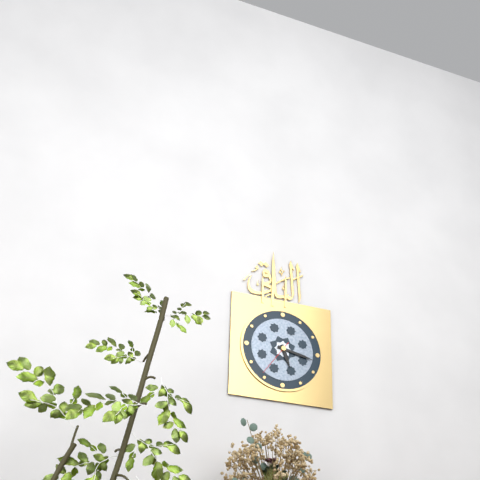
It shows 5 h 17 min
